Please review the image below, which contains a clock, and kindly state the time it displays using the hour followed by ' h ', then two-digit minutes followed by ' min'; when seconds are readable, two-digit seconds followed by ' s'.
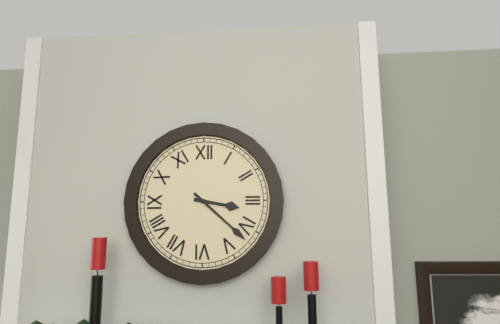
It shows 3 h 22 min
